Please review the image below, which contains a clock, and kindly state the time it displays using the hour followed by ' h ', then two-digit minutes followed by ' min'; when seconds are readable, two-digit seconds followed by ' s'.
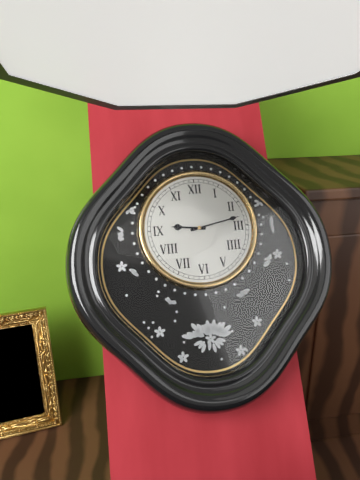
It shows 9 h 13 min
